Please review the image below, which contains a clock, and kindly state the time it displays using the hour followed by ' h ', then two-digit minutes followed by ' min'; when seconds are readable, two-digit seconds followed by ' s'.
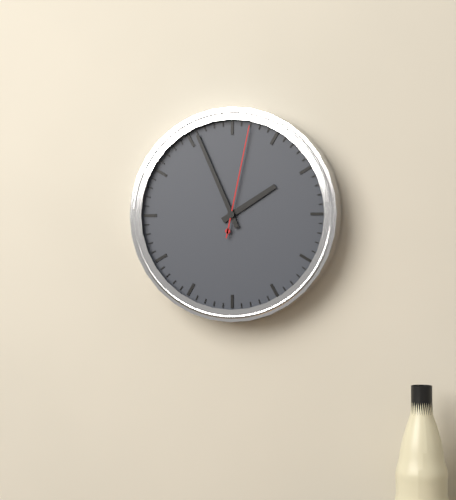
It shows 1 h 56 min 02 s
